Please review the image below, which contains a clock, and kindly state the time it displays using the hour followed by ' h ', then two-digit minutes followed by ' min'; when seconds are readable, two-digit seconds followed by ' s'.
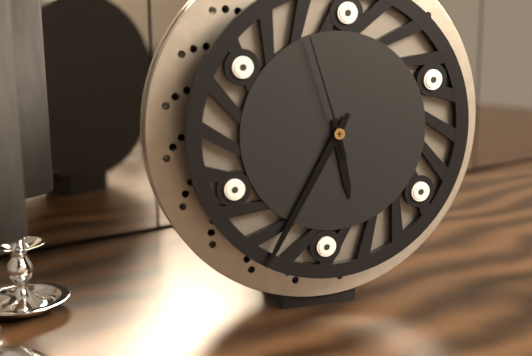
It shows 5 h 35 min 57 s
